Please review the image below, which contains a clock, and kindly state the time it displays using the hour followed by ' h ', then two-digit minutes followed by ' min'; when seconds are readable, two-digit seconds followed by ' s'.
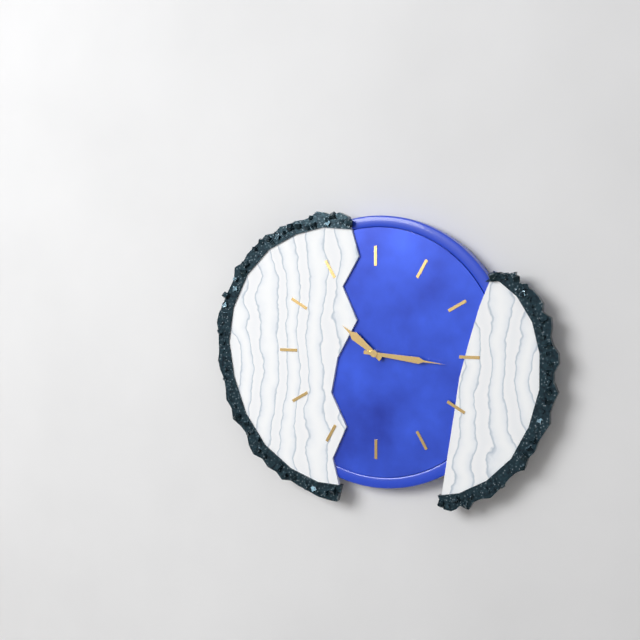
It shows 10 h 16 min
